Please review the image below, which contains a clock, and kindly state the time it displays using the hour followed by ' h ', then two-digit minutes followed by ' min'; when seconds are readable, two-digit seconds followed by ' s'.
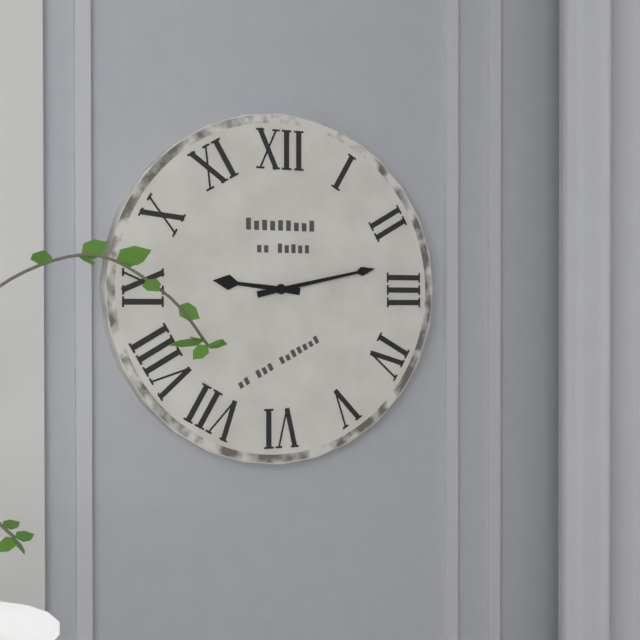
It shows 9 h 13 min
